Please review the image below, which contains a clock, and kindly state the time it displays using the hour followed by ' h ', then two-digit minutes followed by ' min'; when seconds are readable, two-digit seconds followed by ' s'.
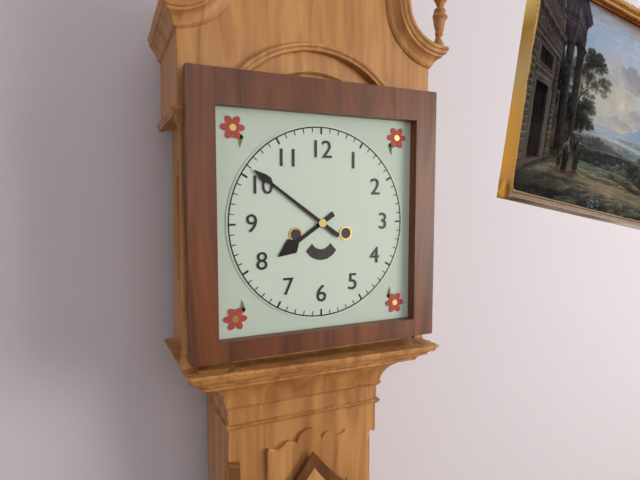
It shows 7 h 51 min
